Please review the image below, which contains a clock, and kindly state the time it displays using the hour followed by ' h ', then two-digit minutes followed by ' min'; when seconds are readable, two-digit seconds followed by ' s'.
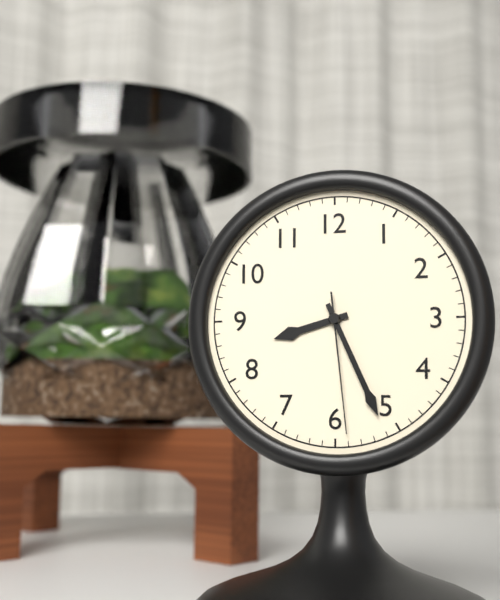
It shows 8 h 26 min 29 s
